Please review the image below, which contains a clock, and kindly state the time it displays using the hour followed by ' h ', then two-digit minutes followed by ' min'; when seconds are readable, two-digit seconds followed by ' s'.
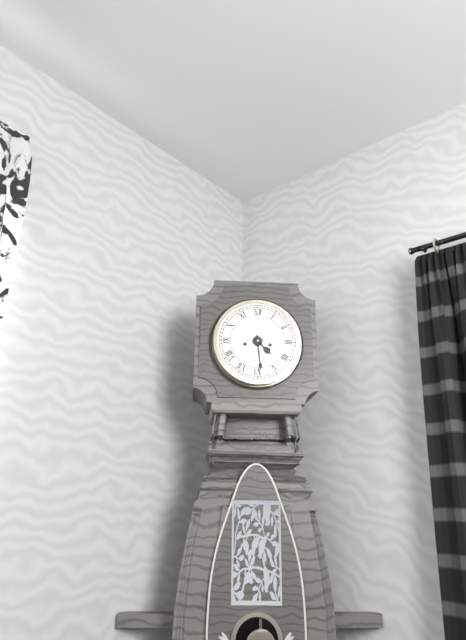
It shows 4 h 29 min
